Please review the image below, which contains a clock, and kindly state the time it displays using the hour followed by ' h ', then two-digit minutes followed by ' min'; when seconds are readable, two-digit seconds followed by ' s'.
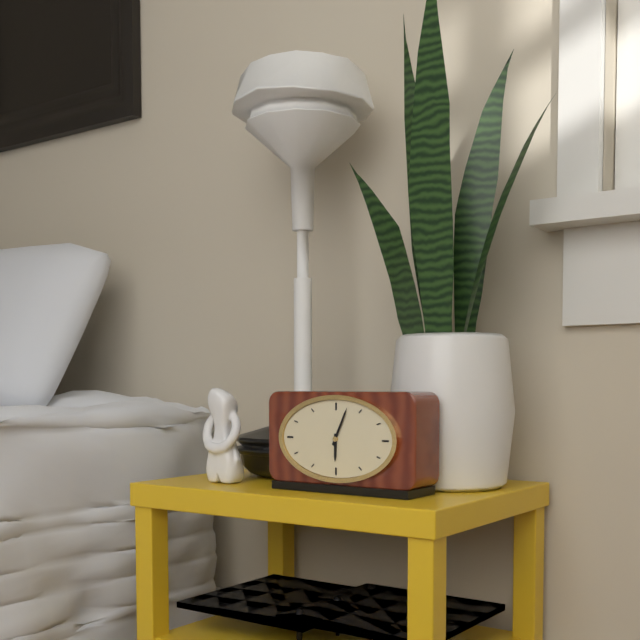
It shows 6 h 04 min
